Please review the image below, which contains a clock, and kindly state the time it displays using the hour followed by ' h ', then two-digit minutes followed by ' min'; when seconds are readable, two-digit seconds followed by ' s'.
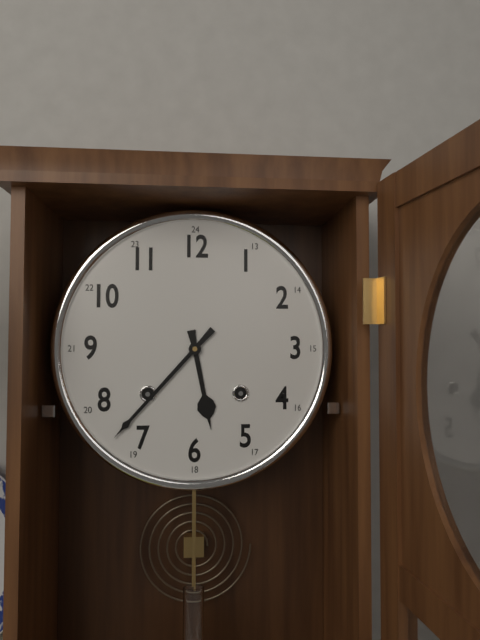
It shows 5 h 37 min
